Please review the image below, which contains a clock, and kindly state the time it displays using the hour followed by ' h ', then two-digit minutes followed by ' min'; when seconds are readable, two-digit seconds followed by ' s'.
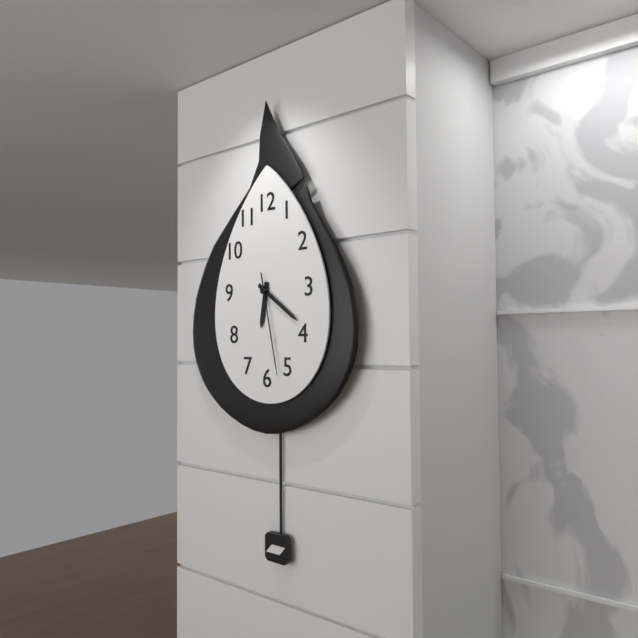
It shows 6 h 21 min 28 s
